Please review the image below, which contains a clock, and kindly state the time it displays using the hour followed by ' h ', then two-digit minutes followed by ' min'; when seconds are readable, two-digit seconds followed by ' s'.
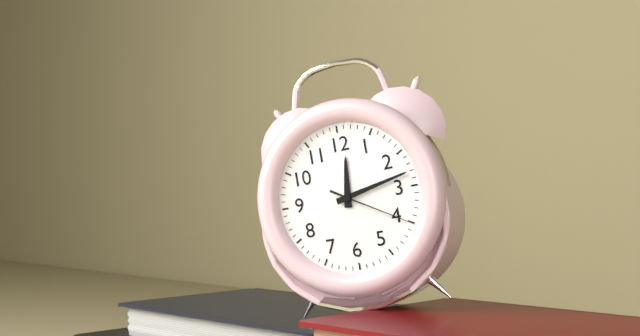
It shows 12 h 13 min 20 s
